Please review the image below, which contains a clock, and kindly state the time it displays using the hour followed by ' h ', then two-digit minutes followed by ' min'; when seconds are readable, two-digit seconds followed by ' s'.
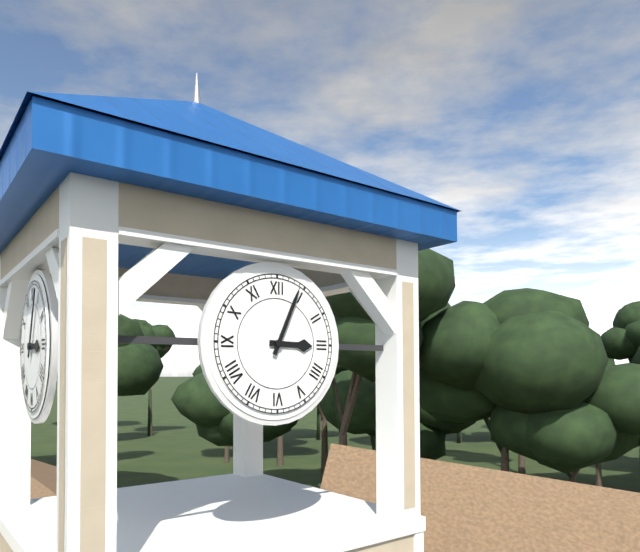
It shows 3 h 04 min
